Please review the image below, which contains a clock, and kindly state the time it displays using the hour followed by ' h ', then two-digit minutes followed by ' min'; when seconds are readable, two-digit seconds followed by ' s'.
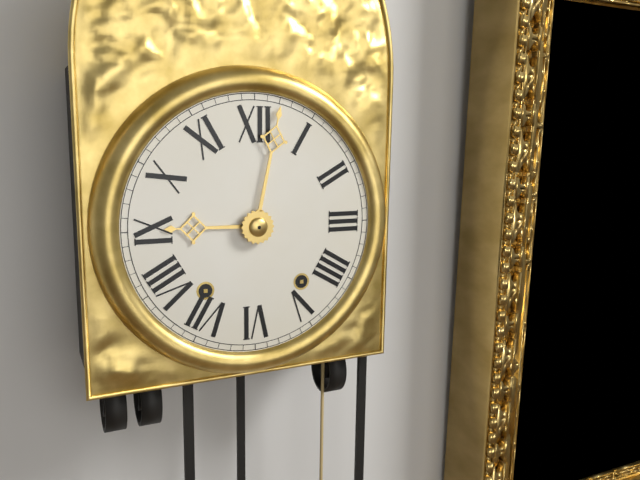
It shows 9 h 02 min
